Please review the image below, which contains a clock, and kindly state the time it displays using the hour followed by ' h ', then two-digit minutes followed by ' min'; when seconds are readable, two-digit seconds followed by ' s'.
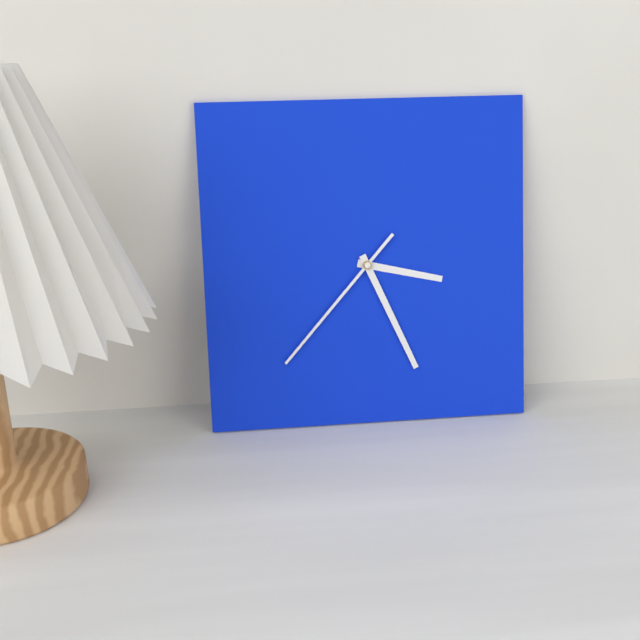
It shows 3 h 26 min 37 s
